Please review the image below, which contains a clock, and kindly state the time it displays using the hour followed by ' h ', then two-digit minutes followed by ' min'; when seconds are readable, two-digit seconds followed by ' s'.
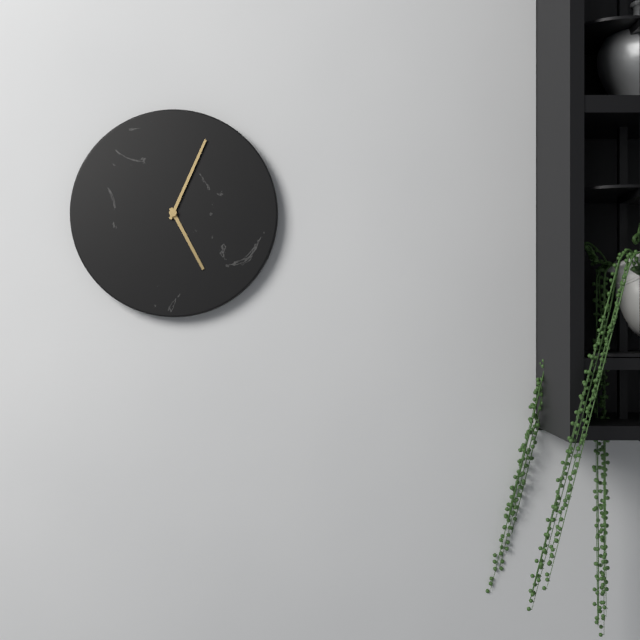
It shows 5 h 04 min
